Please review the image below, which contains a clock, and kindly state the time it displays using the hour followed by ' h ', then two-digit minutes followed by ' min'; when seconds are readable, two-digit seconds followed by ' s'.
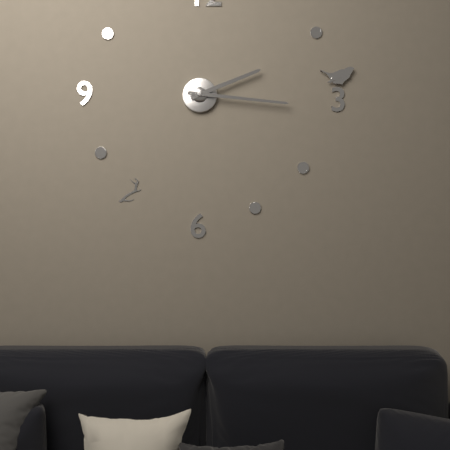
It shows 2 h 16 min
